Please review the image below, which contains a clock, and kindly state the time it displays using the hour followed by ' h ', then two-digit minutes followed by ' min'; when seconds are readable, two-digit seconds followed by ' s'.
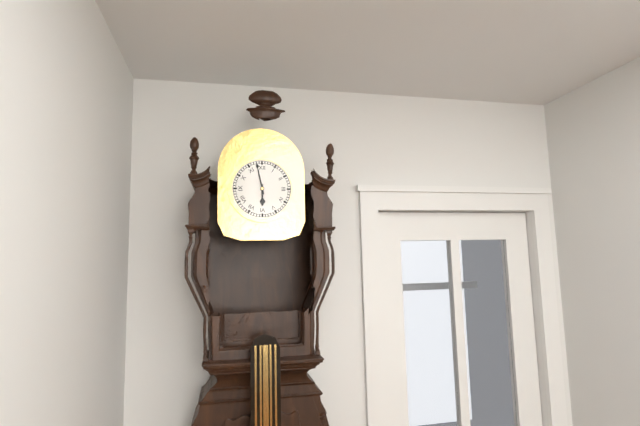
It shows 5 h 58 min
